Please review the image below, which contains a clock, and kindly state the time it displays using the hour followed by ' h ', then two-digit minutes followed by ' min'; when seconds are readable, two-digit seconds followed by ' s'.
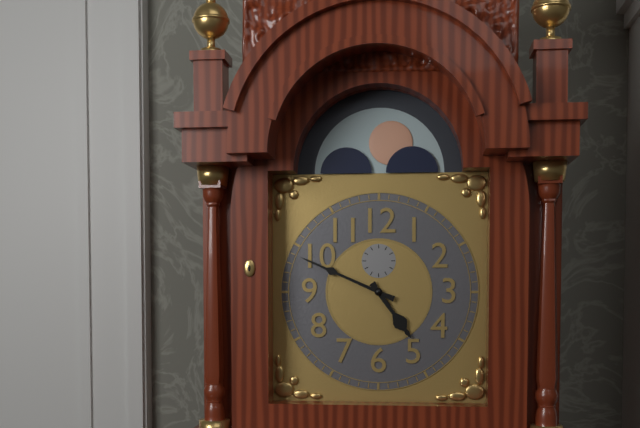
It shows 4 h 49 min
